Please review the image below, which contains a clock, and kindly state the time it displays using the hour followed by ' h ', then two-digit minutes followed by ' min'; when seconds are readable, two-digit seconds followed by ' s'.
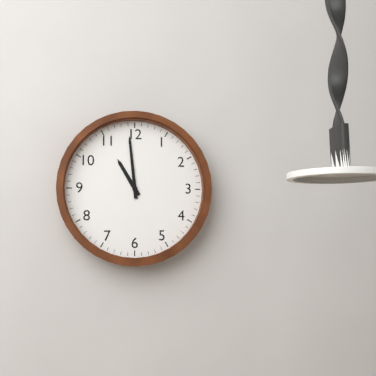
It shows 10 h 59 min
